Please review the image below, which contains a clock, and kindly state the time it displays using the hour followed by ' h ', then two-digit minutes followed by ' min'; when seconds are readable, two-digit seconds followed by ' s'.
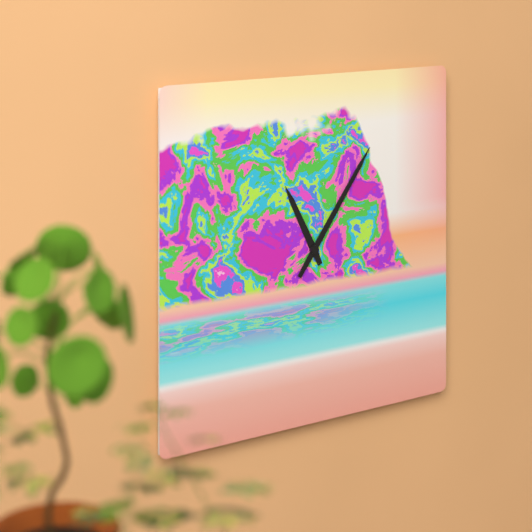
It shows 11 h 06 min
